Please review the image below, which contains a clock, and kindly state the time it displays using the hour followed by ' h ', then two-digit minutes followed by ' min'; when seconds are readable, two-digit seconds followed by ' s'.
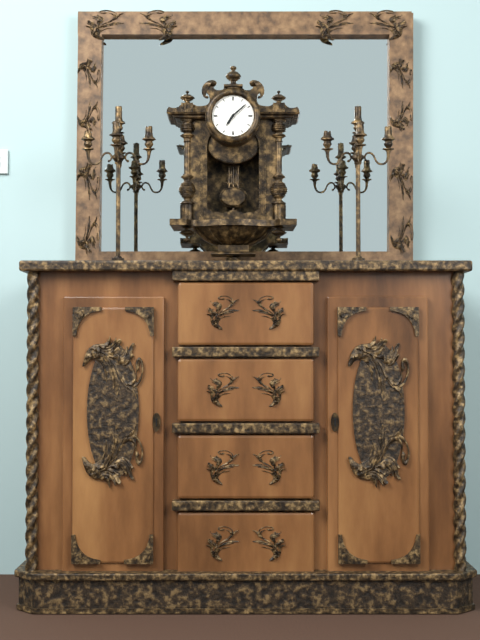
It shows 7 h 08 min
